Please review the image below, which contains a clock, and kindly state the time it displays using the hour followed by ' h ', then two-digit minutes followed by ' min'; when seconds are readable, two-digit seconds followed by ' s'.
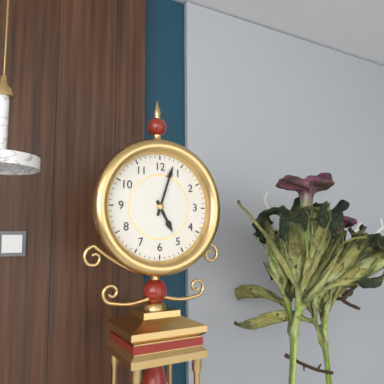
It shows 5 h 03 min
